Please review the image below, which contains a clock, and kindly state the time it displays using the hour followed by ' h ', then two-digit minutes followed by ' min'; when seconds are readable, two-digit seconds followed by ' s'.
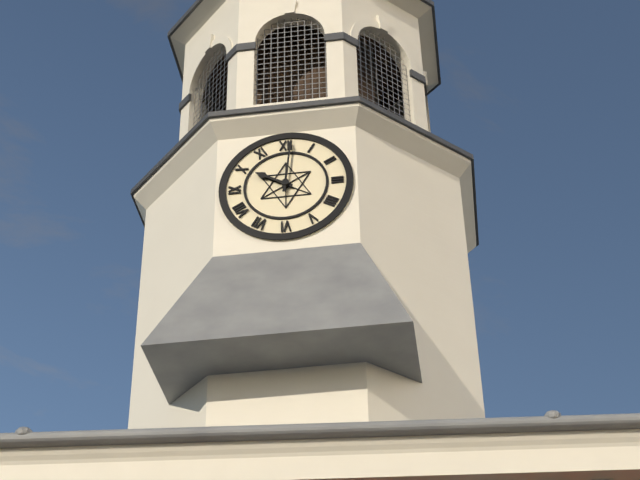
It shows 10 h 01 min
